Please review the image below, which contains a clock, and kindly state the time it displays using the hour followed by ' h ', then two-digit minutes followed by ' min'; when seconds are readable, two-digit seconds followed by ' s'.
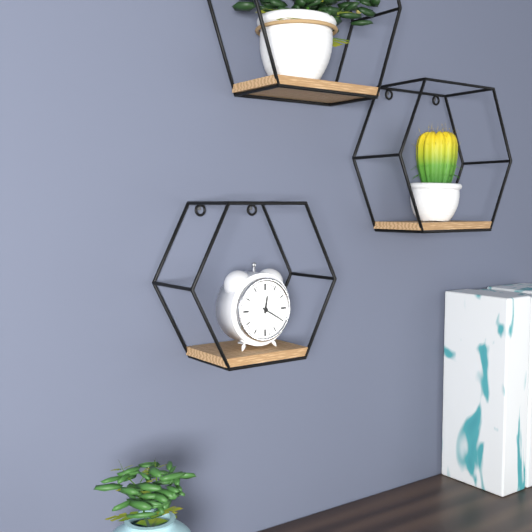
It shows 12 h 20 min
